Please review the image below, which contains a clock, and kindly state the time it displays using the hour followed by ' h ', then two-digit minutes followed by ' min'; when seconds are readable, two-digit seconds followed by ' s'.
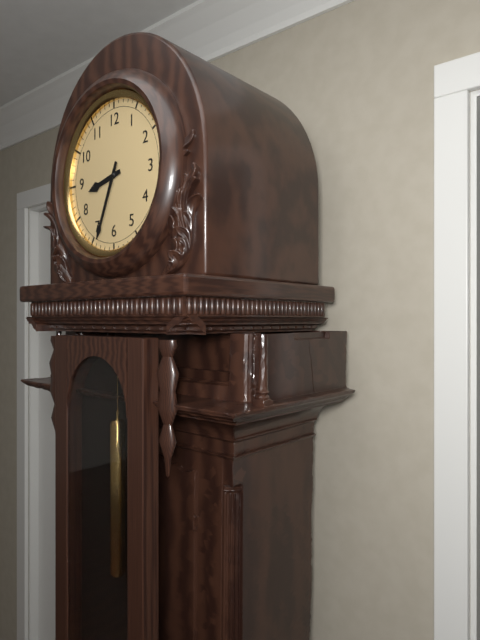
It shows 8 h 34 min
